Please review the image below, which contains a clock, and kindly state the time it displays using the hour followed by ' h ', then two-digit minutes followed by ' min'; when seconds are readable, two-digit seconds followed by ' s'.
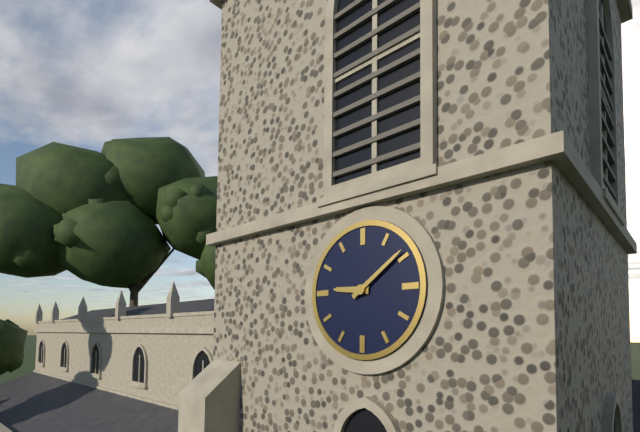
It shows 9 h 09 min
